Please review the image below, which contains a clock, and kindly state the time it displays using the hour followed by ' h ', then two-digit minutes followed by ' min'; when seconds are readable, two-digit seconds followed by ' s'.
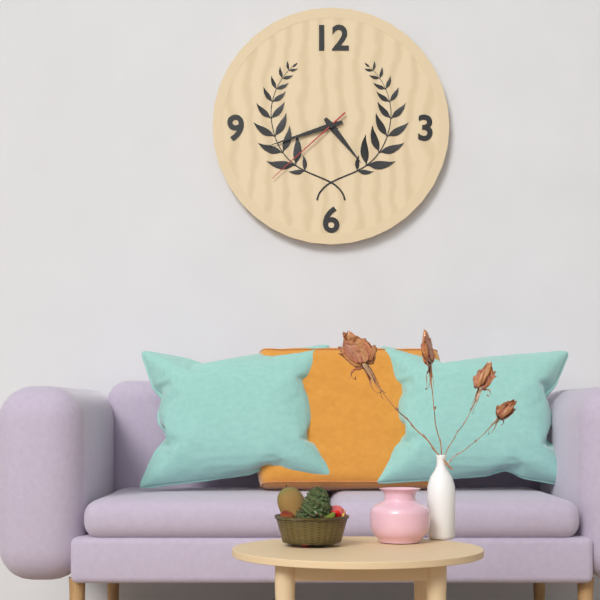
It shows 4 h 42 min 38 s
